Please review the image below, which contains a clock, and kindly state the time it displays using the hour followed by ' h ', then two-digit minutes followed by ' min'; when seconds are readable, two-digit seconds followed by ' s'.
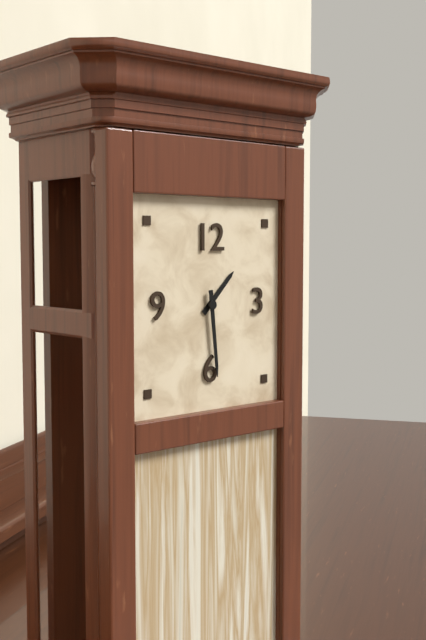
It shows 1 h 29 min
